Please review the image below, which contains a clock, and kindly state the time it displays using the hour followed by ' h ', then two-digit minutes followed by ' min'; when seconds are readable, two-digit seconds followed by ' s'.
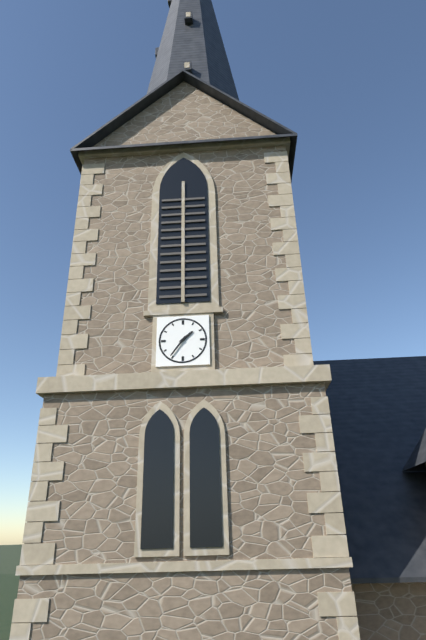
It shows 1 h 36 min
